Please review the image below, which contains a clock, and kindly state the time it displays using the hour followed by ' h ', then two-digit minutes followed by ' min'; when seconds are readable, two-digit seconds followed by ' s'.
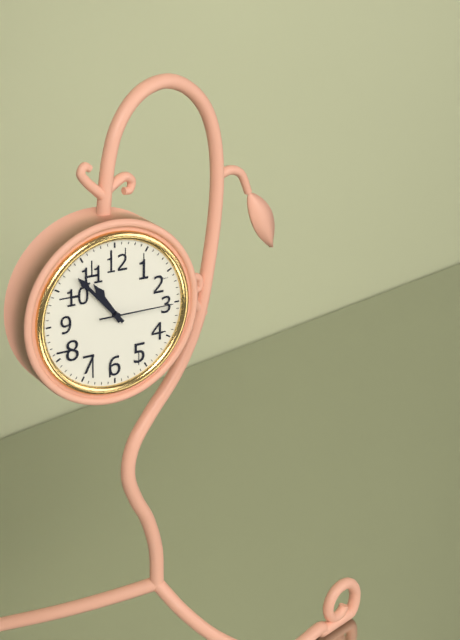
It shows 10 h 53 min 15 s
